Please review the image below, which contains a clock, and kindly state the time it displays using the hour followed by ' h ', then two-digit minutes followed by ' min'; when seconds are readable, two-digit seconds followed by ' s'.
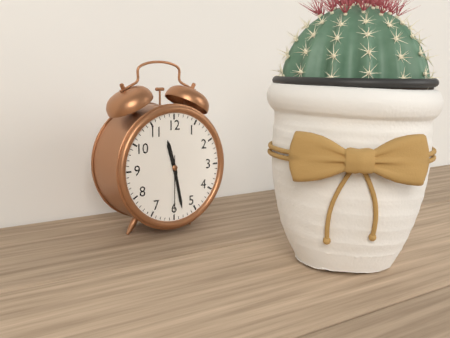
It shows 11 h 28 min 30 s
